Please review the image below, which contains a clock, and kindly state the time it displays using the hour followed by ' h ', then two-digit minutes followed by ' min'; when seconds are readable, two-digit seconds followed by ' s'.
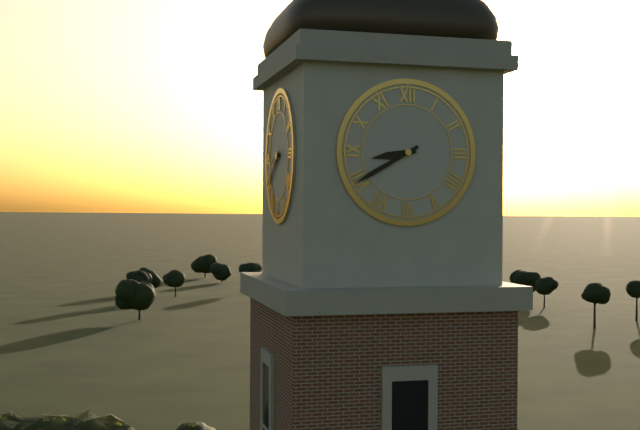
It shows 8 h 40 min
